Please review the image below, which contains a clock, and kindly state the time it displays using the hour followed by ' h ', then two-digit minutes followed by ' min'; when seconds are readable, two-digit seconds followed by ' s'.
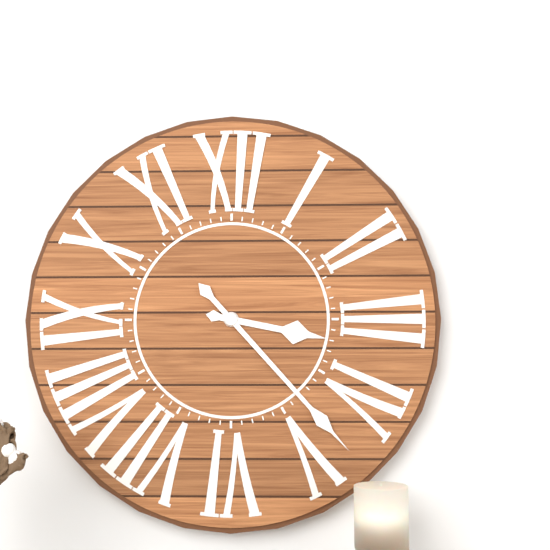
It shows 3 h 23 min
